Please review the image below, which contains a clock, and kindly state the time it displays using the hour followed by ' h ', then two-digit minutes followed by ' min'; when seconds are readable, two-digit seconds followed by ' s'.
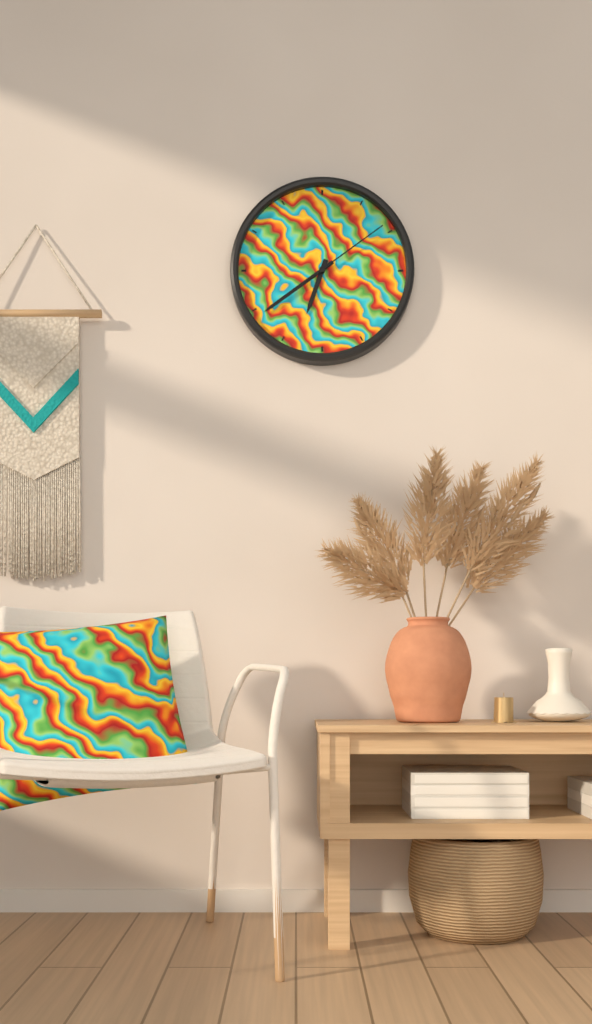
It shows 6 h 39 min 09 s
